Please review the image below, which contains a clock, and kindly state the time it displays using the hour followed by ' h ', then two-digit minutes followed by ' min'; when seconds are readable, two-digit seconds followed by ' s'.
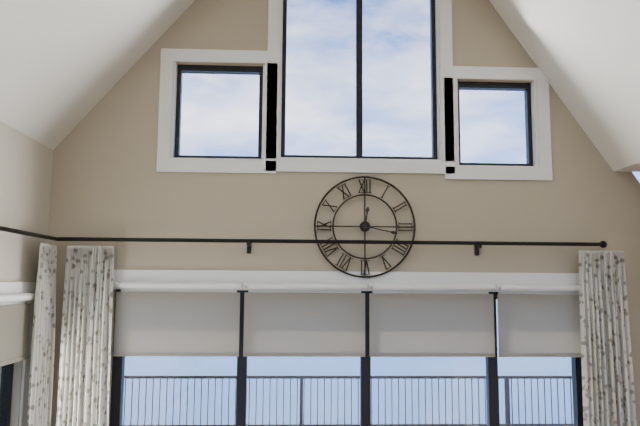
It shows 12 h 17 min
